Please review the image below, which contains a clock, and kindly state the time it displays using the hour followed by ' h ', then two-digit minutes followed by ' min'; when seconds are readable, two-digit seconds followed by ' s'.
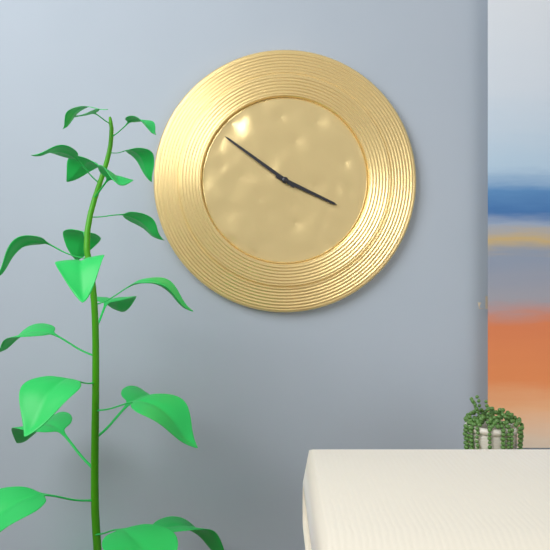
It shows 3 h 51 min
